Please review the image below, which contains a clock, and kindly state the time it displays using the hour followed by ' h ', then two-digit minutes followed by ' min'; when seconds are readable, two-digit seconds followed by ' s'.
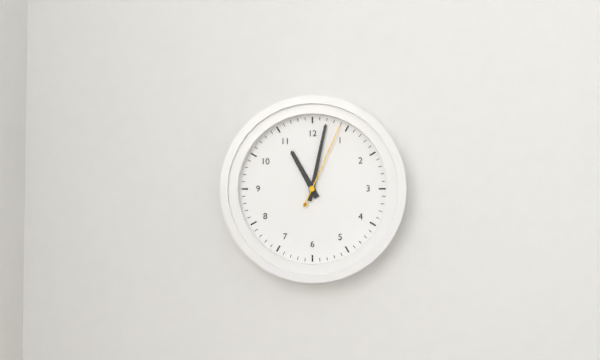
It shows 11 h 02 min 04 s
